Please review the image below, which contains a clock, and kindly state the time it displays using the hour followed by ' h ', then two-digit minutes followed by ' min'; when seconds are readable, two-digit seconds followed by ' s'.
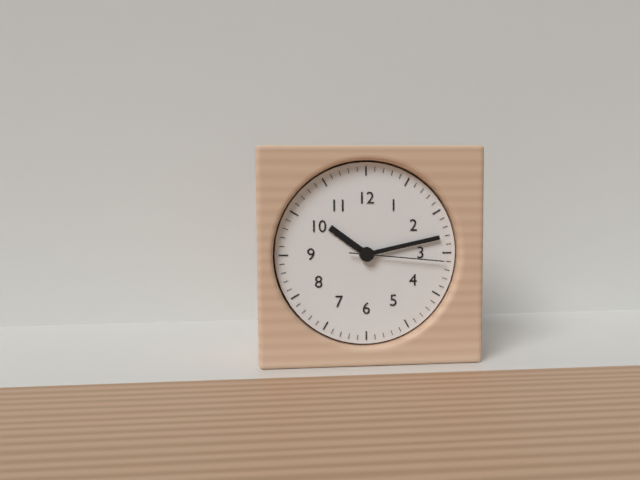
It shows 10 h 13 min 16 s
